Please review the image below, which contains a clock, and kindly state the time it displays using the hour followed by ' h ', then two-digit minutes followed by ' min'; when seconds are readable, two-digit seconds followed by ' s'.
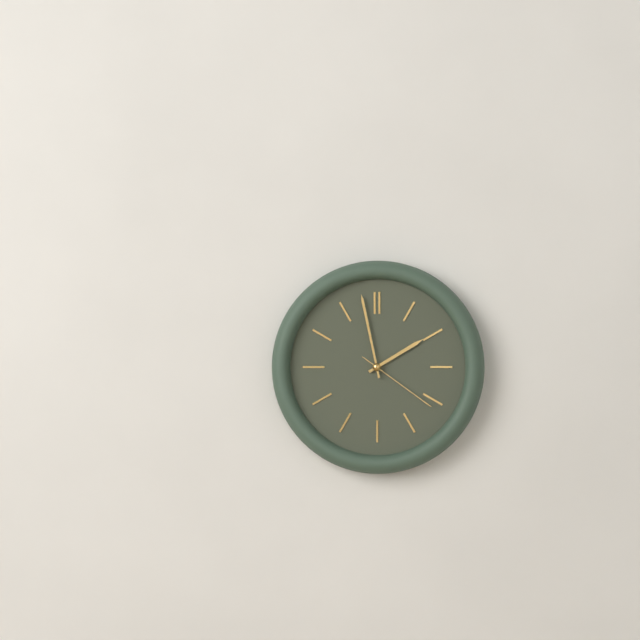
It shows 1 h 58 min 21 s
